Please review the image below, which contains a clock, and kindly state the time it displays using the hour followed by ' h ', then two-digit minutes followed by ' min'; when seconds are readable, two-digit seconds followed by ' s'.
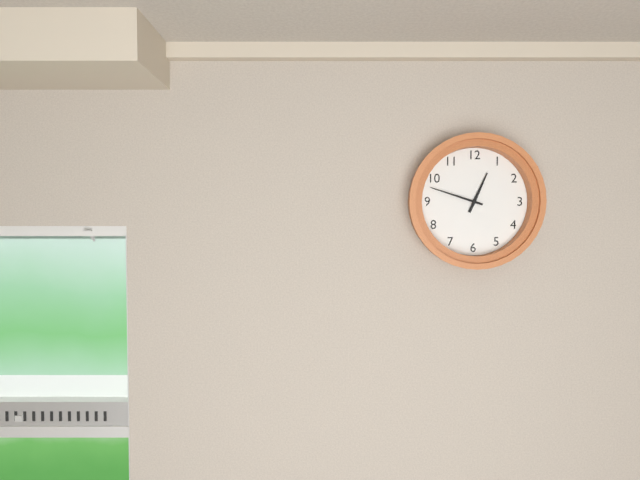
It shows 12 h 48 min
